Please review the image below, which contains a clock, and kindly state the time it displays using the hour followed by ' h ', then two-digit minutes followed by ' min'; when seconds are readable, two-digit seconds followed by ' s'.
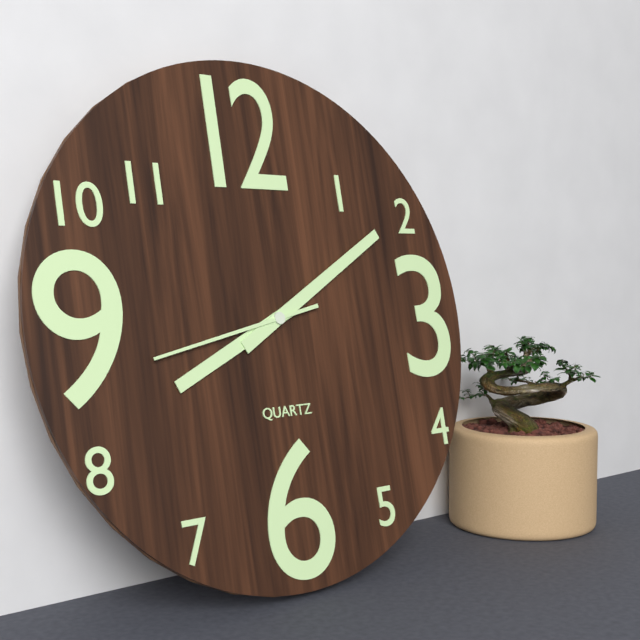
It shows 8 h 10 min 43 s
